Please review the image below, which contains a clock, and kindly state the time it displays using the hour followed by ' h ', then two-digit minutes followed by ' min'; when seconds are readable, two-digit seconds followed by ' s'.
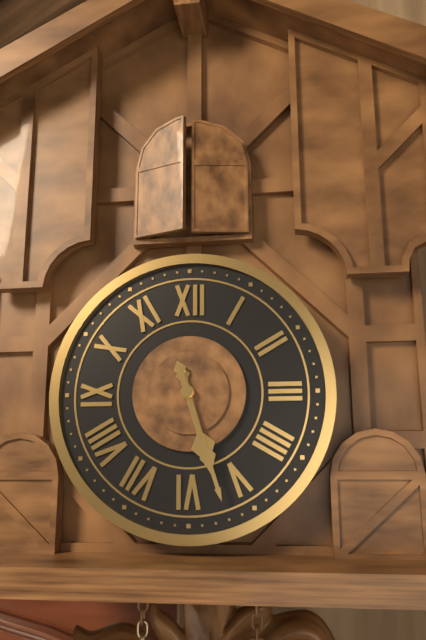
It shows 5 h 27 min
